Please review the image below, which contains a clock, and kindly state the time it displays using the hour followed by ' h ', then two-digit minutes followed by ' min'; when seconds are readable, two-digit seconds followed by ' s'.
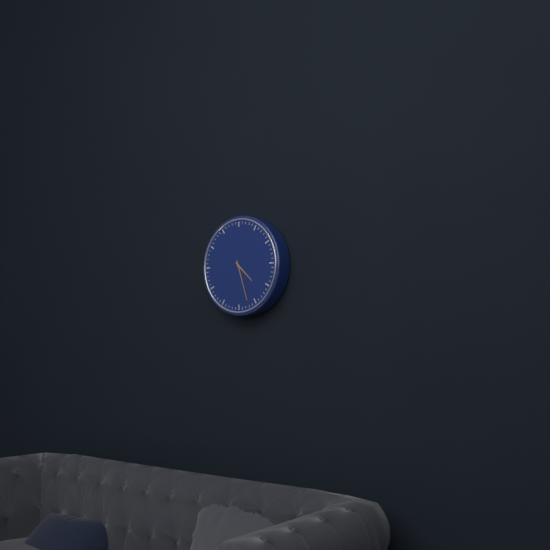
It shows 4 h 27 min
